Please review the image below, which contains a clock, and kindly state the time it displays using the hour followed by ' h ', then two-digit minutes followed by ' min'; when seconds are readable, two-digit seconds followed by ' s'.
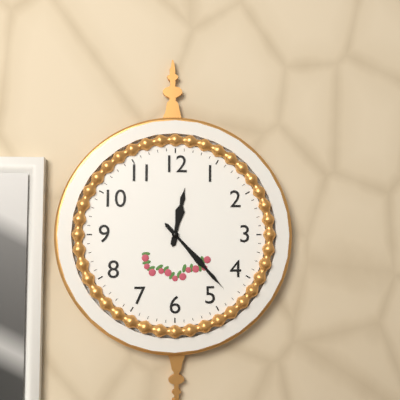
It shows 12 h 23 min
